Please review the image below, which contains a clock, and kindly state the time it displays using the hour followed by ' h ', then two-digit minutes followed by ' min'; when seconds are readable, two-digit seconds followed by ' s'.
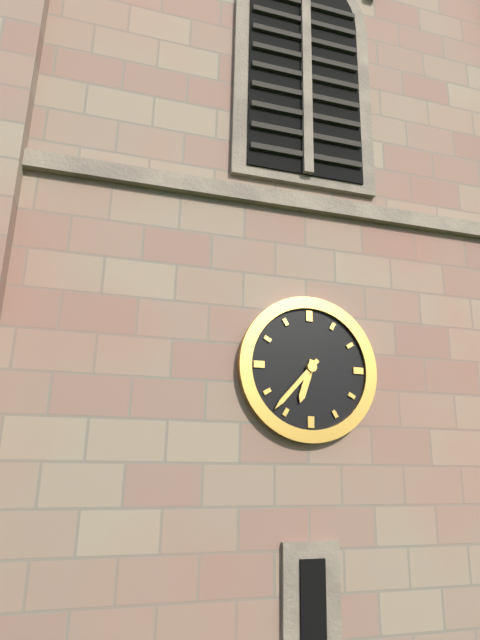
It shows 6 h 37 min
